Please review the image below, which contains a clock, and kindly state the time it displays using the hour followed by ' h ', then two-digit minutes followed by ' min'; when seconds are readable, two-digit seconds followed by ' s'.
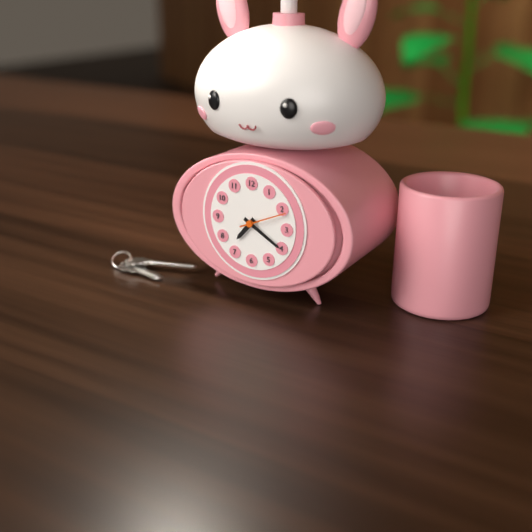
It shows 7 h 20 min
